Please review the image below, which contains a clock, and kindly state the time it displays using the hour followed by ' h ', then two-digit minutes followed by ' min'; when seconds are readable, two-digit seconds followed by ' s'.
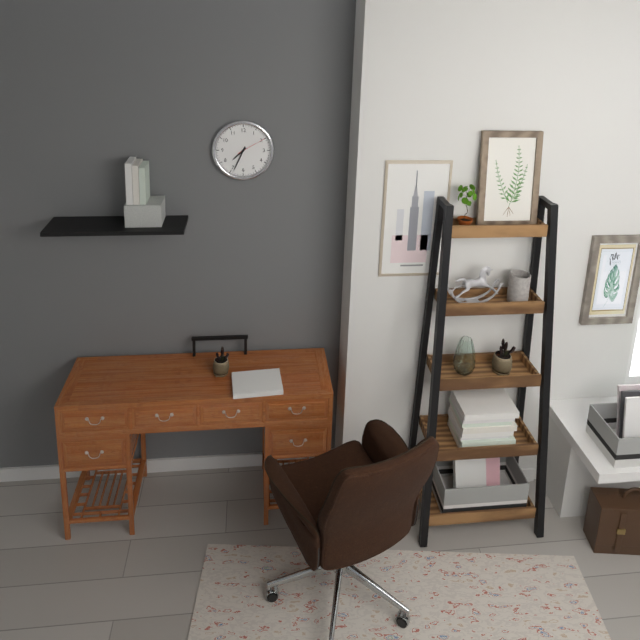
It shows 7 h 34 min
